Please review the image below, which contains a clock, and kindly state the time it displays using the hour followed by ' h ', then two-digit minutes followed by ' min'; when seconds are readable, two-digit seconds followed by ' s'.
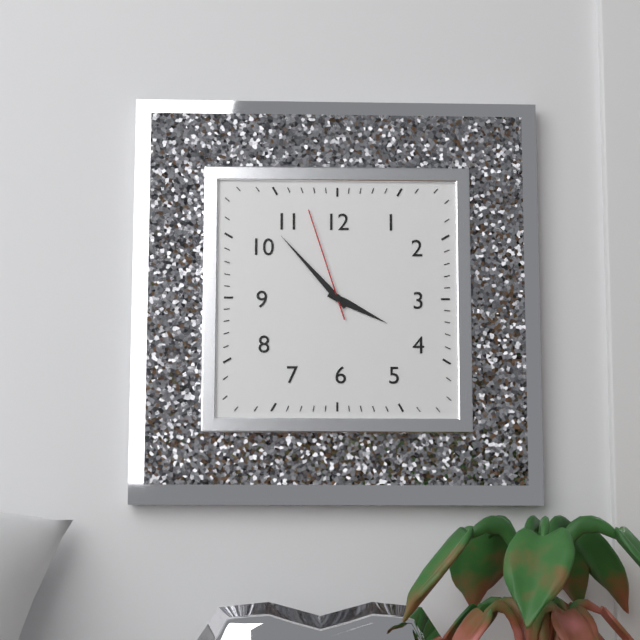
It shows 3 h 53 min 57 s
